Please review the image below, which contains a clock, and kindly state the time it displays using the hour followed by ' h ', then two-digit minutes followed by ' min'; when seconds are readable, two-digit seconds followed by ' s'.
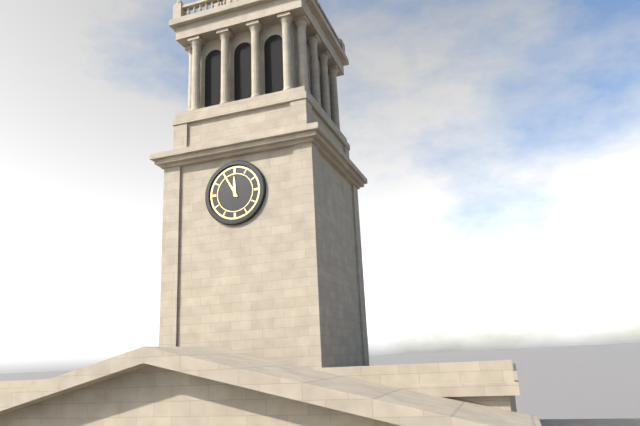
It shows 11 h 55 min
